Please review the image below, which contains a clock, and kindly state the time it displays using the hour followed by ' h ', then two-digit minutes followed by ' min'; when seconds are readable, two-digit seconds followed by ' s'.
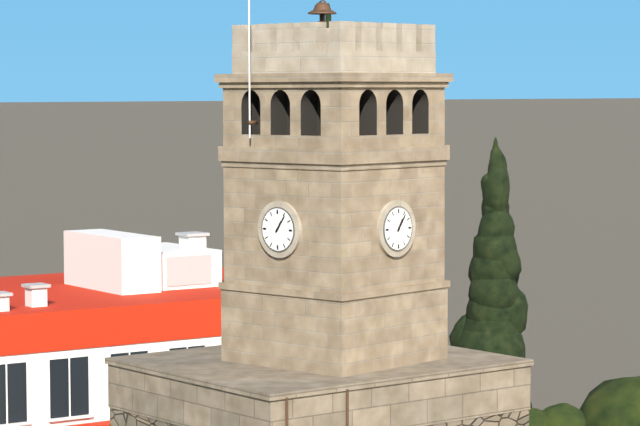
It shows 1 h 06 min
